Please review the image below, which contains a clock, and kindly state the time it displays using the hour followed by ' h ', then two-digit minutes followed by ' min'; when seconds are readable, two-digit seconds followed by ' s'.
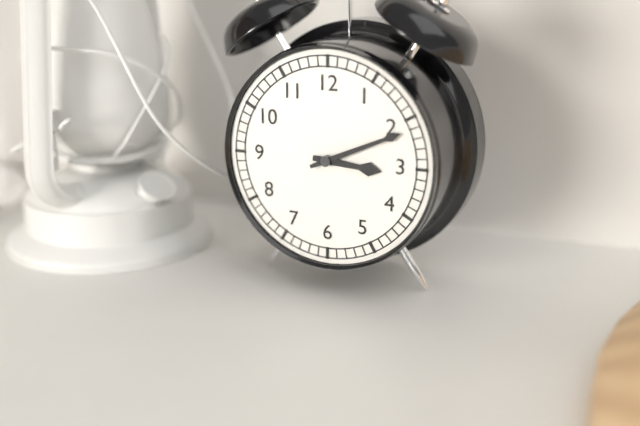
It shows 3 h 11 min
